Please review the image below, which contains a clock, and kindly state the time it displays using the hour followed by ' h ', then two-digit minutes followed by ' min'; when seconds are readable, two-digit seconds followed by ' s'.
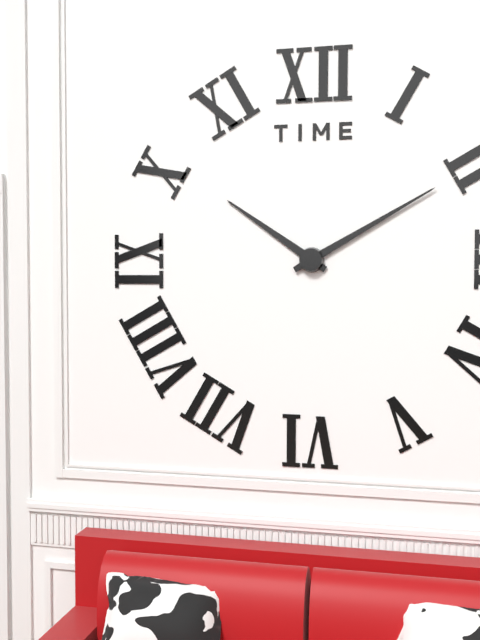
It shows 10 h 10 min
